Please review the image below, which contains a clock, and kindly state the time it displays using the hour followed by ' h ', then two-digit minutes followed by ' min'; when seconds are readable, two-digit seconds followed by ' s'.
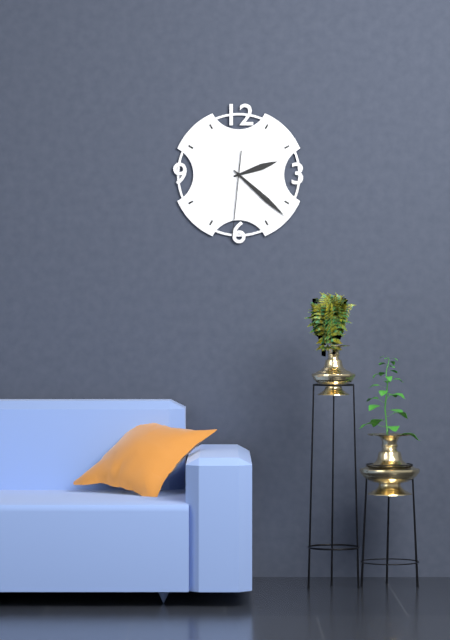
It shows 2 h 22 min 31 s
